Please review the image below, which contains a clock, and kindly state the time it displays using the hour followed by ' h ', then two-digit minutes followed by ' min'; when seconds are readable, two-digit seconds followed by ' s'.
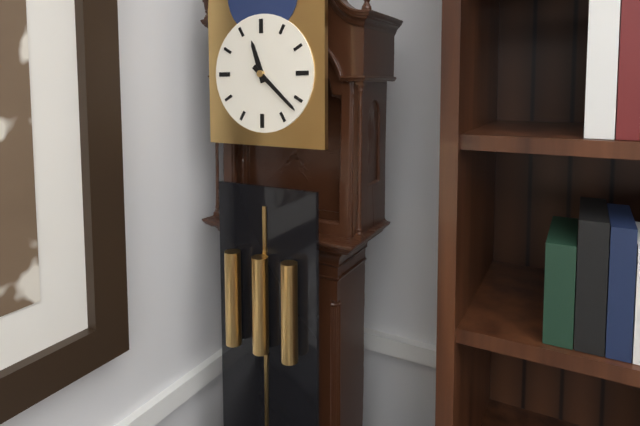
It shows 11 h 22 min
